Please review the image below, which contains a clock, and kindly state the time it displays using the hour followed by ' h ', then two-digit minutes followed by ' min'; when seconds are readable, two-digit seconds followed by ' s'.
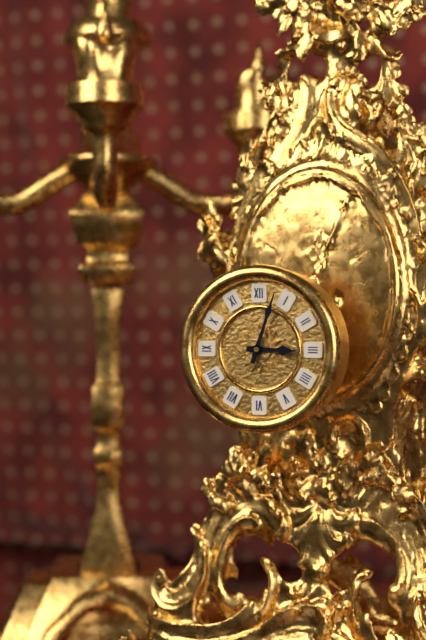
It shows 3 h 03 min
